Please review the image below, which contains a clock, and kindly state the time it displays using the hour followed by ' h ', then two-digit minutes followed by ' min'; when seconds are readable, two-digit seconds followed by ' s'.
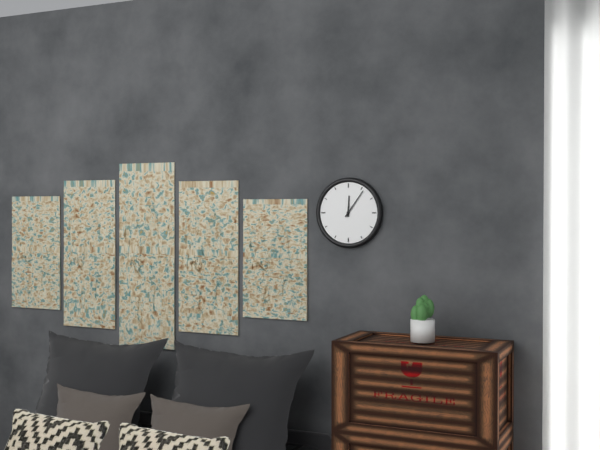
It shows 12 h 06 min
